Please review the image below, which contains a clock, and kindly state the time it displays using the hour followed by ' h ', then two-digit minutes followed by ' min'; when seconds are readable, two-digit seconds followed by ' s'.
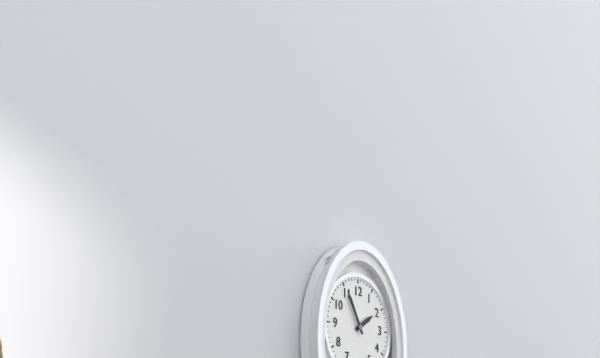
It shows 1 h 55 min
